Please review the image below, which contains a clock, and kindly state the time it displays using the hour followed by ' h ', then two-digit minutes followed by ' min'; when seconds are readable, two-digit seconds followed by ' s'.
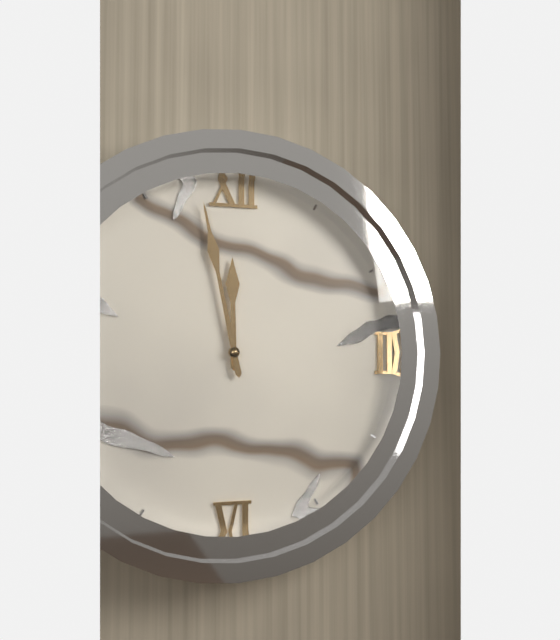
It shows 11 h 58 min
